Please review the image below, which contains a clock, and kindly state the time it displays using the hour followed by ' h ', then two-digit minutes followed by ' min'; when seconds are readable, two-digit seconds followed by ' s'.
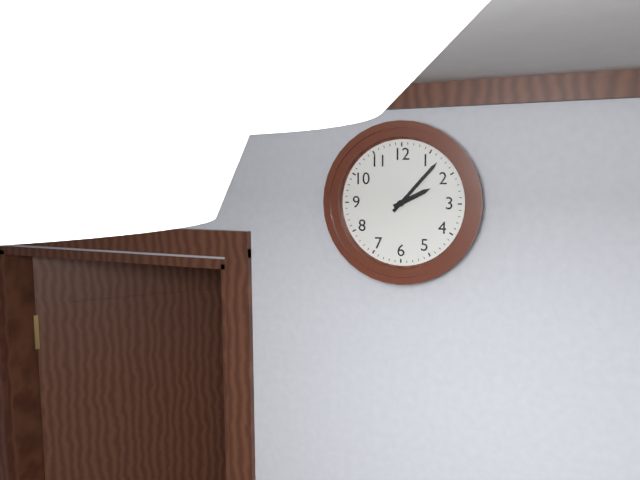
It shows 2 h 07 min
